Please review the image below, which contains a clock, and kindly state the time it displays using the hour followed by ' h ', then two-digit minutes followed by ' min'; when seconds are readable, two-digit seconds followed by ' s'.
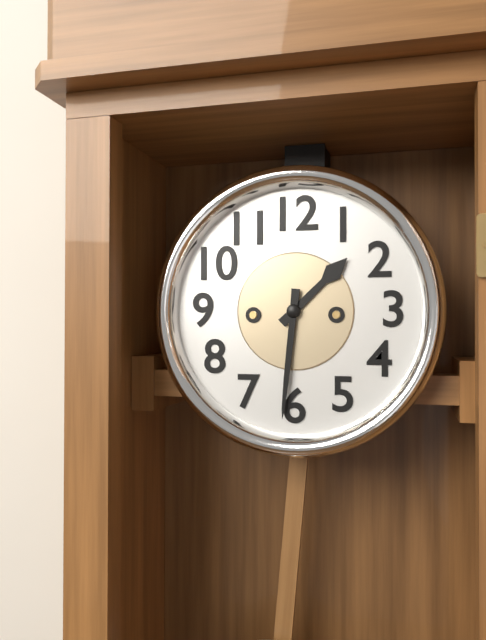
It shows 1 h 31 min
